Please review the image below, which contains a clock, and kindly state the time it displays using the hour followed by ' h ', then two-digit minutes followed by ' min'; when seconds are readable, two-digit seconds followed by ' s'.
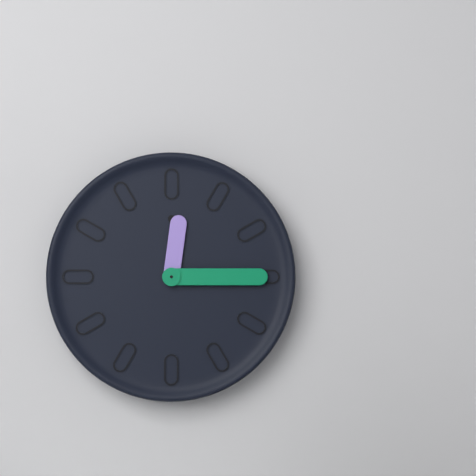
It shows 12 h 15 min
